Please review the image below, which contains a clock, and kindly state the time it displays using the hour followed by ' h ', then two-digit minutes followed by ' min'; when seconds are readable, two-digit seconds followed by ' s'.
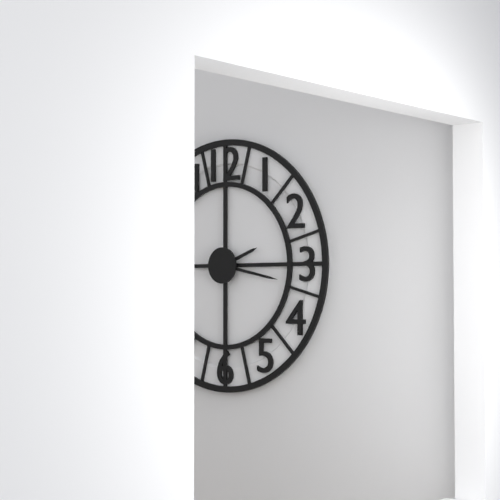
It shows 2 h 17 min
